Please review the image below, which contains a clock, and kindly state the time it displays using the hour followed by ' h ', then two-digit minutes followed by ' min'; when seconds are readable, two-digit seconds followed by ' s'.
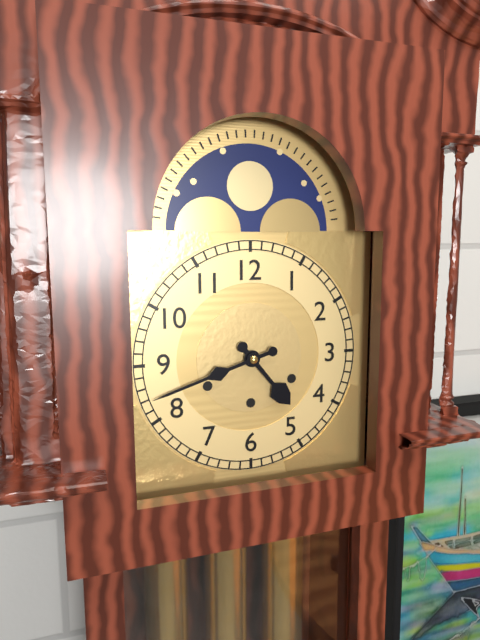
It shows 4 h 42 min
